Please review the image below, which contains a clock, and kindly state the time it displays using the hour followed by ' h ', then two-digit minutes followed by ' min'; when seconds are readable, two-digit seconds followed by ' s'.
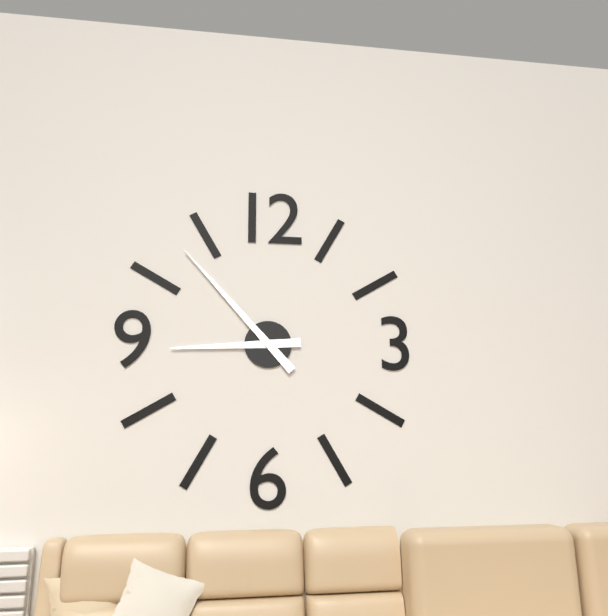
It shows 8 h 53 min
